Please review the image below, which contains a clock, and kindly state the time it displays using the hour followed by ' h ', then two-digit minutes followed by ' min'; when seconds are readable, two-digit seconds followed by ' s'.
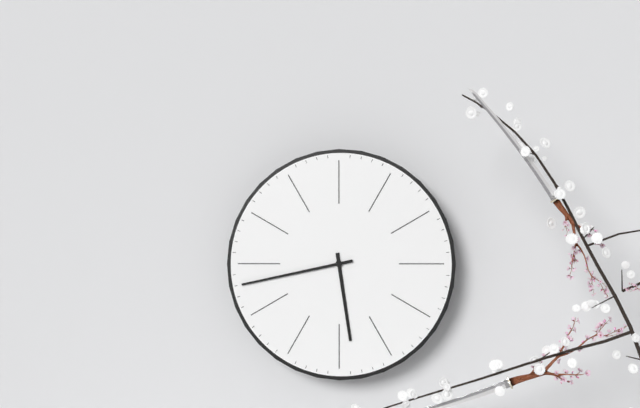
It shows 5 h 43 min
